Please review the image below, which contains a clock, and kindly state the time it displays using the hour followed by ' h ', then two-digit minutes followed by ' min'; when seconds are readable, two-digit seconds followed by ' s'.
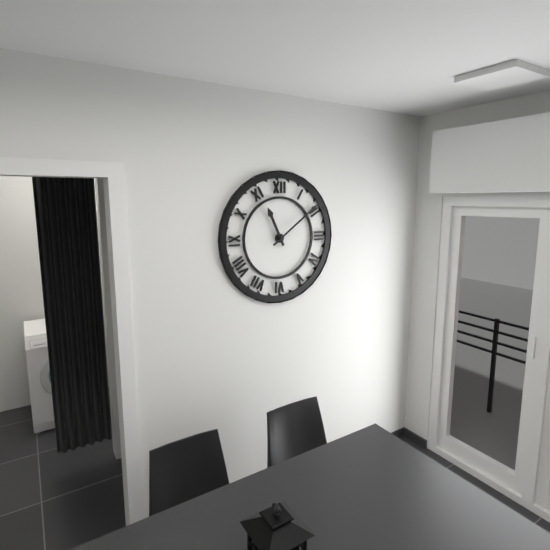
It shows 11 h 09 min
